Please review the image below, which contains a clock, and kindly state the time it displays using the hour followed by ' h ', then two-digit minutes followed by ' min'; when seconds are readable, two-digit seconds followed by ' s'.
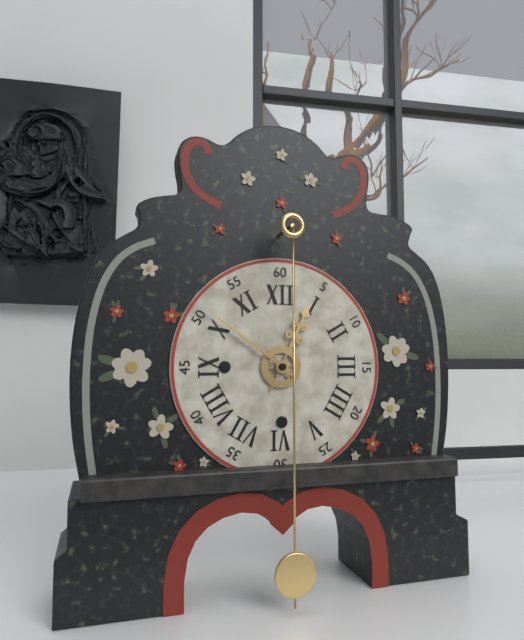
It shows 12 h 51 min
